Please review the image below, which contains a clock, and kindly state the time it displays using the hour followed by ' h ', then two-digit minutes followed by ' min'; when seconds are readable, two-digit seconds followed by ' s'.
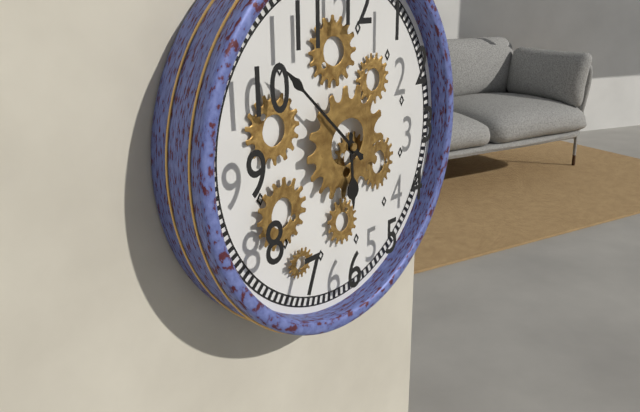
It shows 5 h 52 min
